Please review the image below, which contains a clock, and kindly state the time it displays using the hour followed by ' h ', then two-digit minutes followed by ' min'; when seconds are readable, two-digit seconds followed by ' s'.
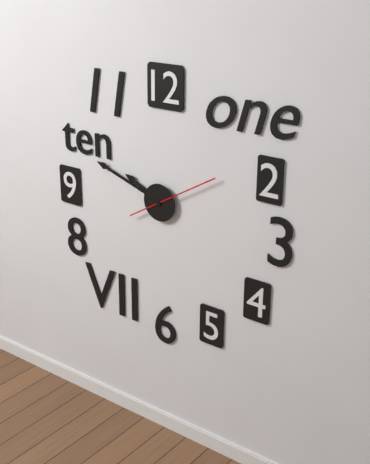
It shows 9 h 48 min 10 s
